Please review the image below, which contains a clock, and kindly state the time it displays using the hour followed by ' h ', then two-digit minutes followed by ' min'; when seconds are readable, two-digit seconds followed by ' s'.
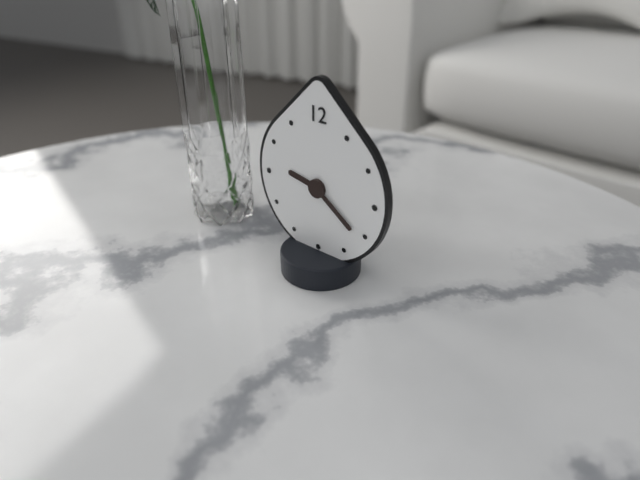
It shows 9 h 21 min
